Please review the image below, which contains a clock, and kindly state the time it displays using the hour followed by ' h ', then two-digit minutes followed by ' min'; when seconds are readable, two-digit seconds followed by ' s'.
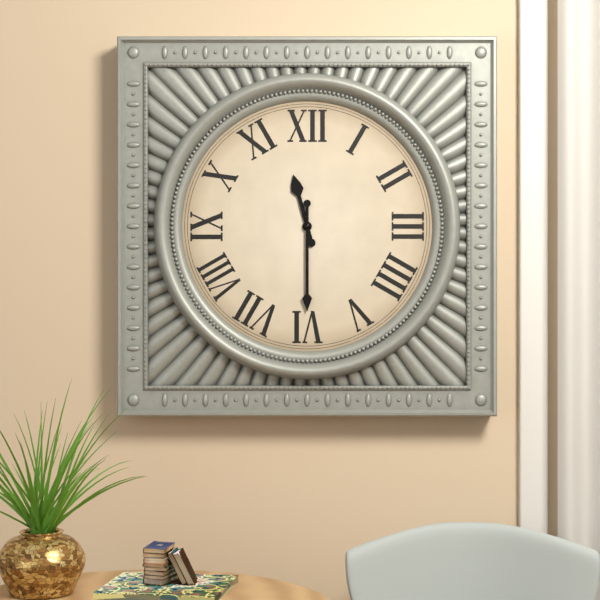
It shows 11 h 30 min
